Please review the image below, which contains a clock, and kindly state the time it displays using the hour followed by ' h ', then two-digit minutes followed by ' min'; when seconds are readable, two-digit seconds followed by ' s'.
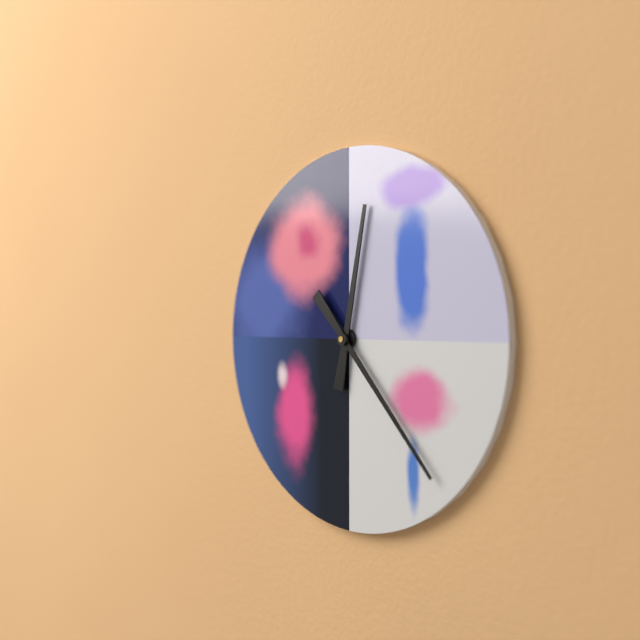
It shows 12 h 23 min
